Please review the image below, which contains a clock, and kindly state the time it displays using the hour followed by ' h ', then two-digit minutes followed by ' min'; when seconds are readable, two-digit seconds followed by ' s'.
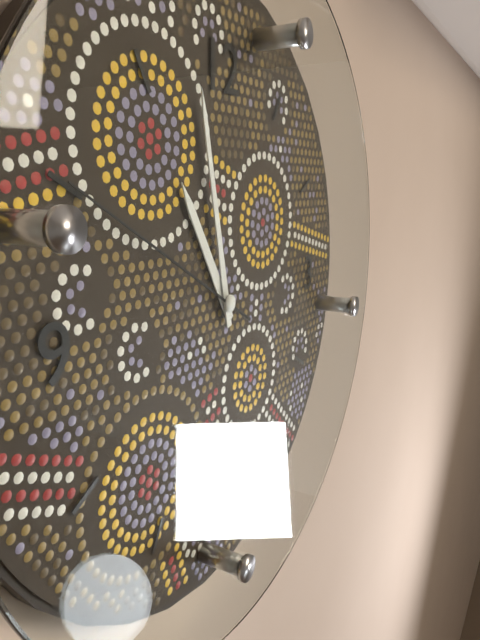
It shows 10 h 58 min 50 s
